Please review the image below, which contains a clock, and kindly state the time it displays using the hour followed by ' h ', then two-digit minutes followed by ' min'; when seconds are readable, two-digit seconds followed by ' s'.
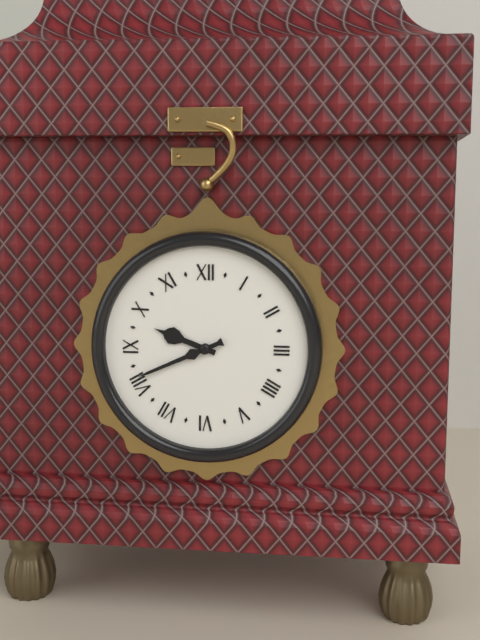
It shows 9 h 41 min
